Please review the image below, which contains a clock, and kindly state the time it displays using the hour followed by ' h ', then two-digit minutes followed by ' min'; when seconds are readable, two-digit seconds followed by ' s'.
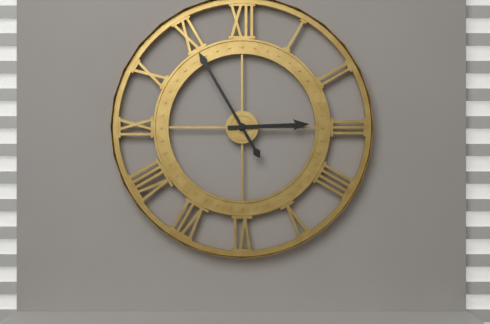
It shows 2 h 55 min
